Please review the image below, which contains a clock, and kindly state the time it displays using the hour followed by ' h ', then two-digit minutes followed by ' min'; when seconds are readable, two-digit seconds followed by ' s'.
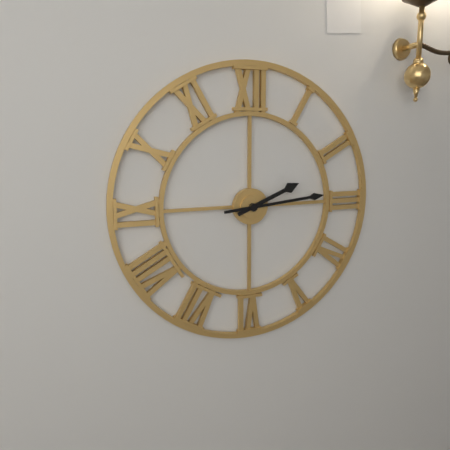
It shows 2 h 14 min
